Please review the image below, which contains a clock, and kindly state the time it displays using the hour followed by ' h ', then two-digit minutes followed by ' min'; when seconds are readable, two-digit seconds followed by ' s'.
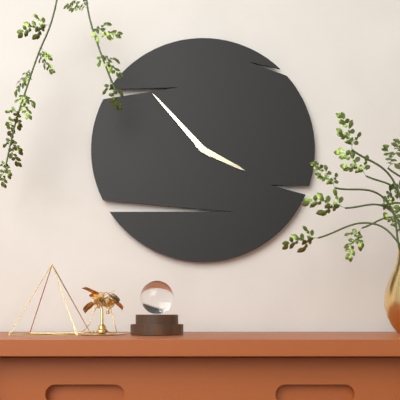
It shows 3 h 53 min
